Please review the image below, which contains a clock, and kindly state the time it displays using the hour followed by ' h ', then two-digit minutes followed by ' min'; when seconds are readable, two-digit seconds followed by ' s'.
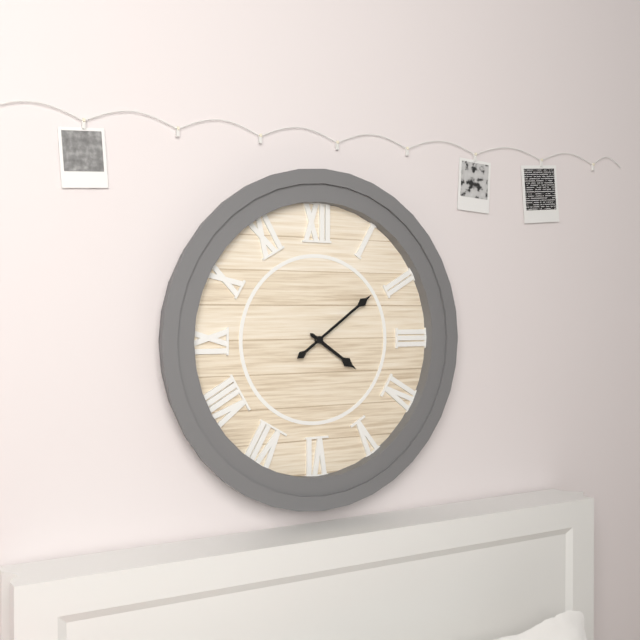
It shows 4 h 09 min
